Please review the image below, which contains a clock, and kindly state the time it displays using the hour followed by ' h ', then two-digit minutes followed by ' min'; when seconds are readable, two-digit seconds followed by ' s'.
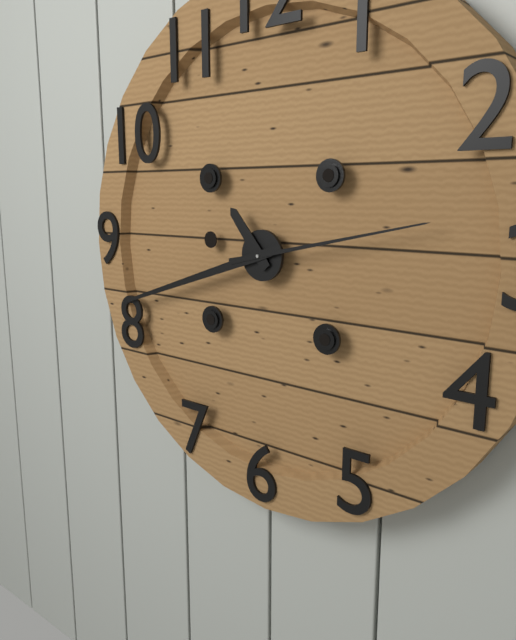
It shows 10 h 42 min 13 s
